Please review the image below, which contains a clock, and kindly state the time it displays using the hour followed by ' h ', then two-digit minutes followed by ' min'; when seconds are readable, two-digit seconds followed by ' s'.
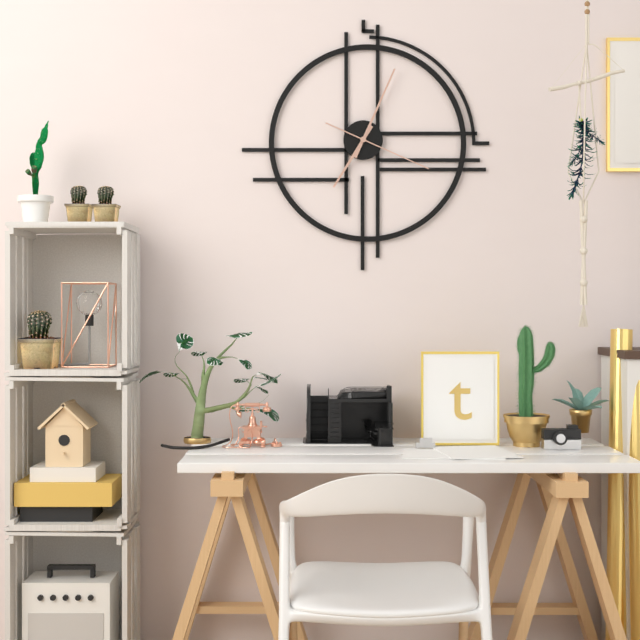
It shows 7 h 04 min 19 s
